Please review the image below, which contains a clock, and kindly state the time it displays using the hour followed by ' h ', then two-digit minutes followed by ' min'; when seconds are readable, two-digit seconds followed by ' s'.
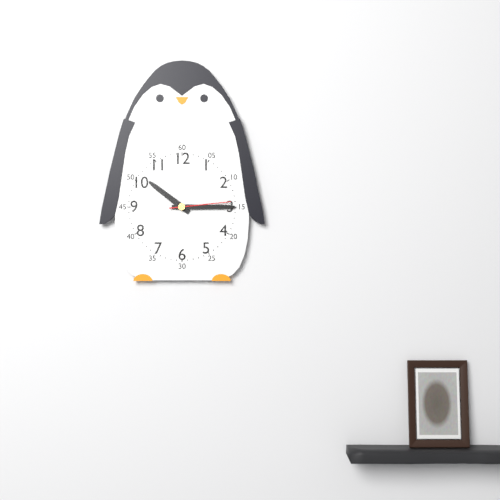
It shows 10 h 15 min 14 s
